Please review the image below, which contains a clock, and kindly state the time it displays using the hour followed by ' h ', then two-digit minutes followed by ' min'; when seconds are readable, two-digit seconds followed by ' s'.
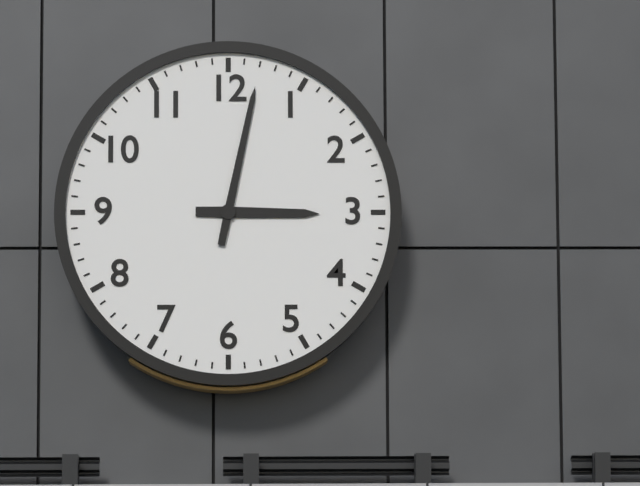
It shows 3 h 02 min
